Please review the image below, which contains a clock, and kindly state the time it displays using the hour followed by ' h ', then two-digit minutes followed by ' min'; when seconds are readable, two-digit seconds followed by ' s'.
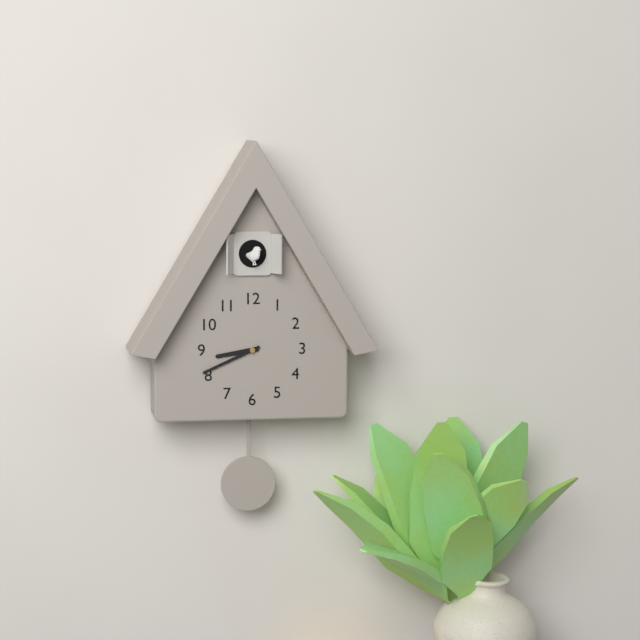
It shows 8 h 41 min
